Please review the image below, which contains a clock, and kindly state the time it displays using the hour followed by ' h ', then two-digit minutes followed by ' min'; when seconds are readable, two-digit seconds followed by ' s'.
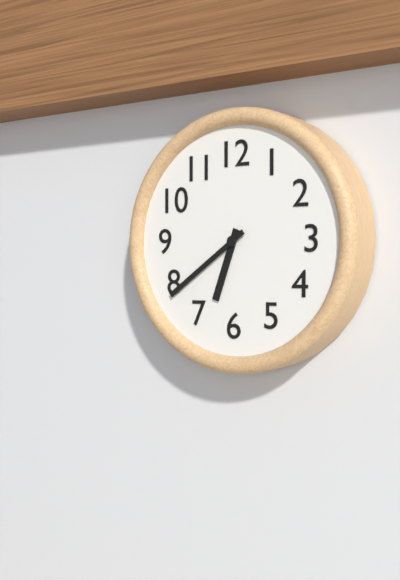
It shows 6 h 39 min
